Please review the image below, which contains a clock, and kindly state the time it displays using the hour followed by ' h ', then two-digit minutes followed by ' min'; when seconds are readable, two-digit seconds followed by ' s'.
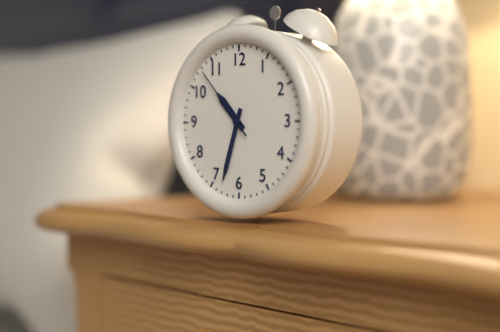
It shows 10 h 33 min 53 s
